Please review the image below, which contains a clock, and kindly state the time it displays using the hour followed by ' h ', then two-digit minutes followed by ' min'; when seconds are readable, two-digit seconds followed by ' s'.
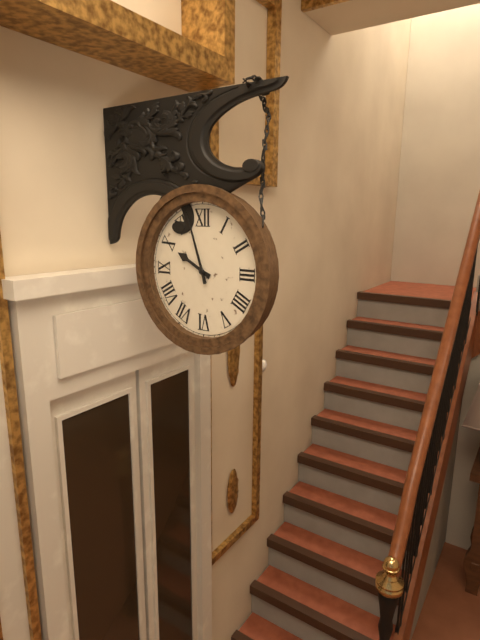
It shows 9 h 57 min
